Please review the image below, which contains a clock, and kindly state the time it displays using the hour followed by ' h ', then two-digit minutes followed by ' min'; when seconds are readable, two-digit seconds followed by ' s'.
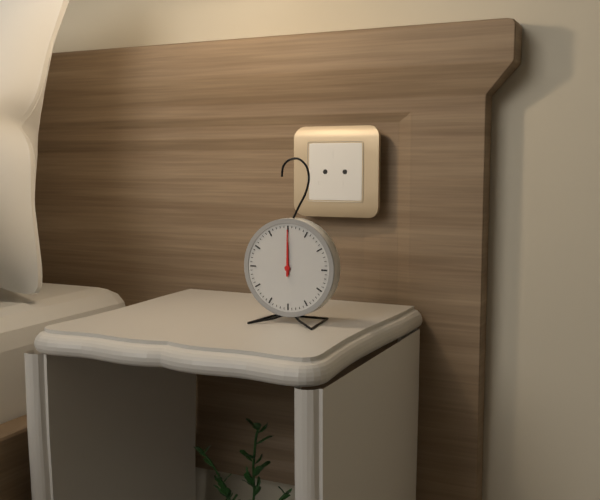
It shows 12 h 00 min
